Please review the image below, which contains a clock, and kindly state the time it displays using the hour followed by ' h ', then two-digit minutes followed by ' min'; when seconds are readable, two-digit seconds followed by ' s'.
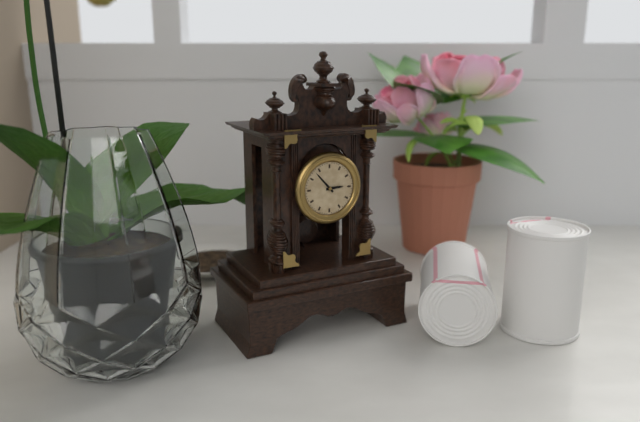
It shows 2 h 53 min
